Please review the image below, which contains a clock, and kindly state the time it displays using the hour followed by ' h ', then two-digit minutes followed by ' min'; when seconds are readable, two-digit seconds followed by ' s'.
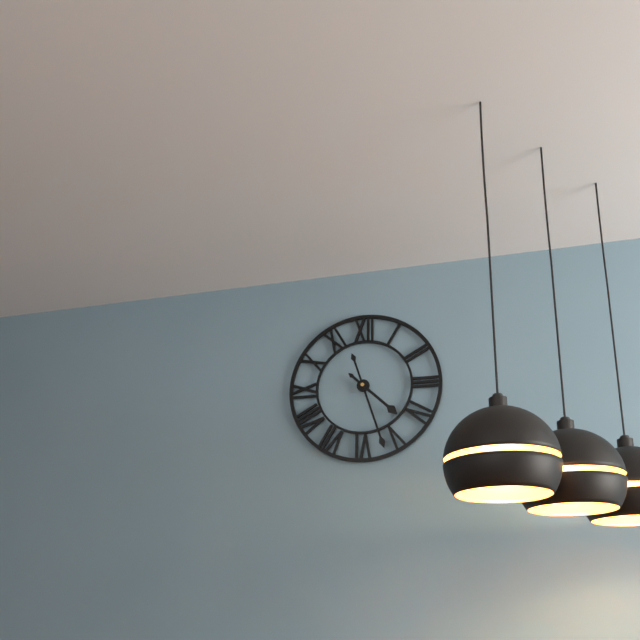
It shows 4 h 27 min
